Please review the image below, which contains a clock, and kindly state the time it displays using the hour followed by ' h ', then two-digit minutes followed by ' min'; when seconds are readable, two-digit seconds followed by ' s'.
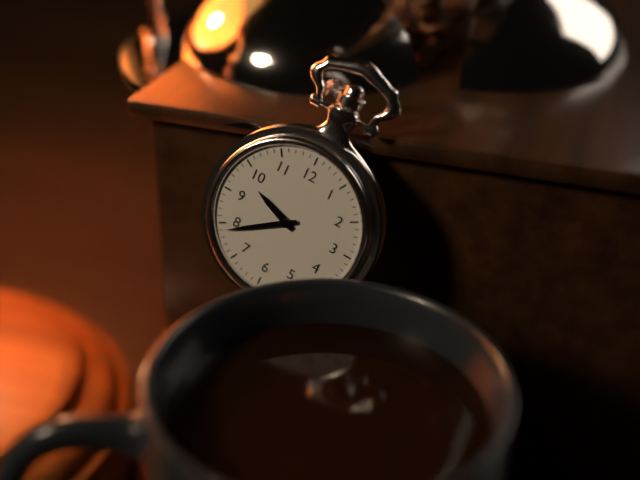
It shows 9 h 39 min
